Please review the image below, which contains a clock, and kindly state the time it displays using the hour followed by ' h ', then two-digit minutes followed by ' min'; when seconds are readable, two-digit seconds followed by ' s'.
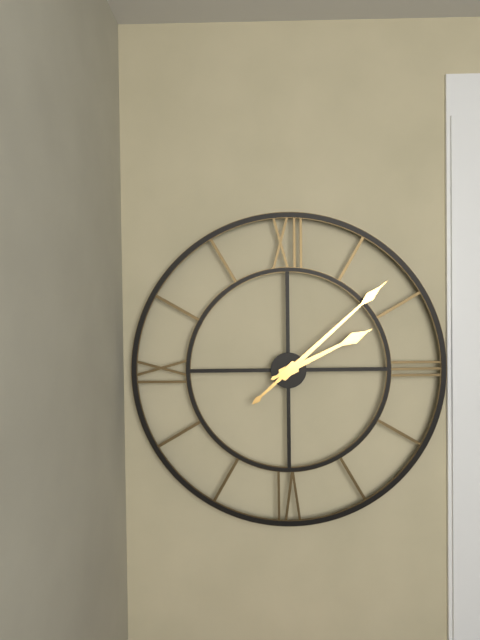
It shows 2 h 08 min
